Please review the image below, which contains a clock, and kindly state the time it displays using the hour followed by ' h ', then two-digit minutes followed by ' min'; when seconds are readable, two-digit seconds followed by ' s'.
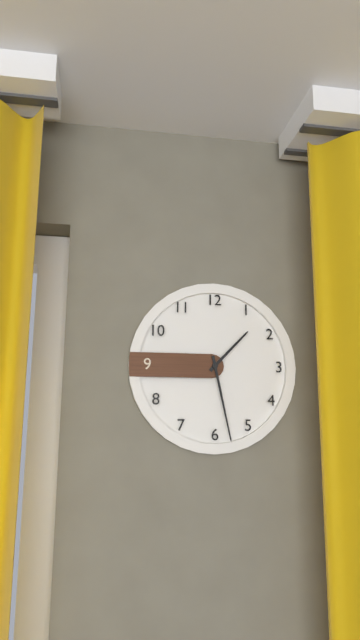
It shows 1 h 28 min
